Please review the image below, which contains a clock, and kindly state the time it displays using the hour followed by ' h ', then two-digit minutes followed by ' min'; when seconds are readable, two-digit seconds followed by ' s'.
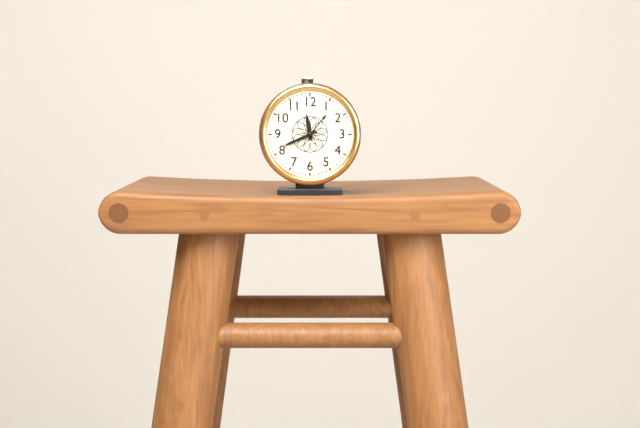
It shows 11 h 41 min
